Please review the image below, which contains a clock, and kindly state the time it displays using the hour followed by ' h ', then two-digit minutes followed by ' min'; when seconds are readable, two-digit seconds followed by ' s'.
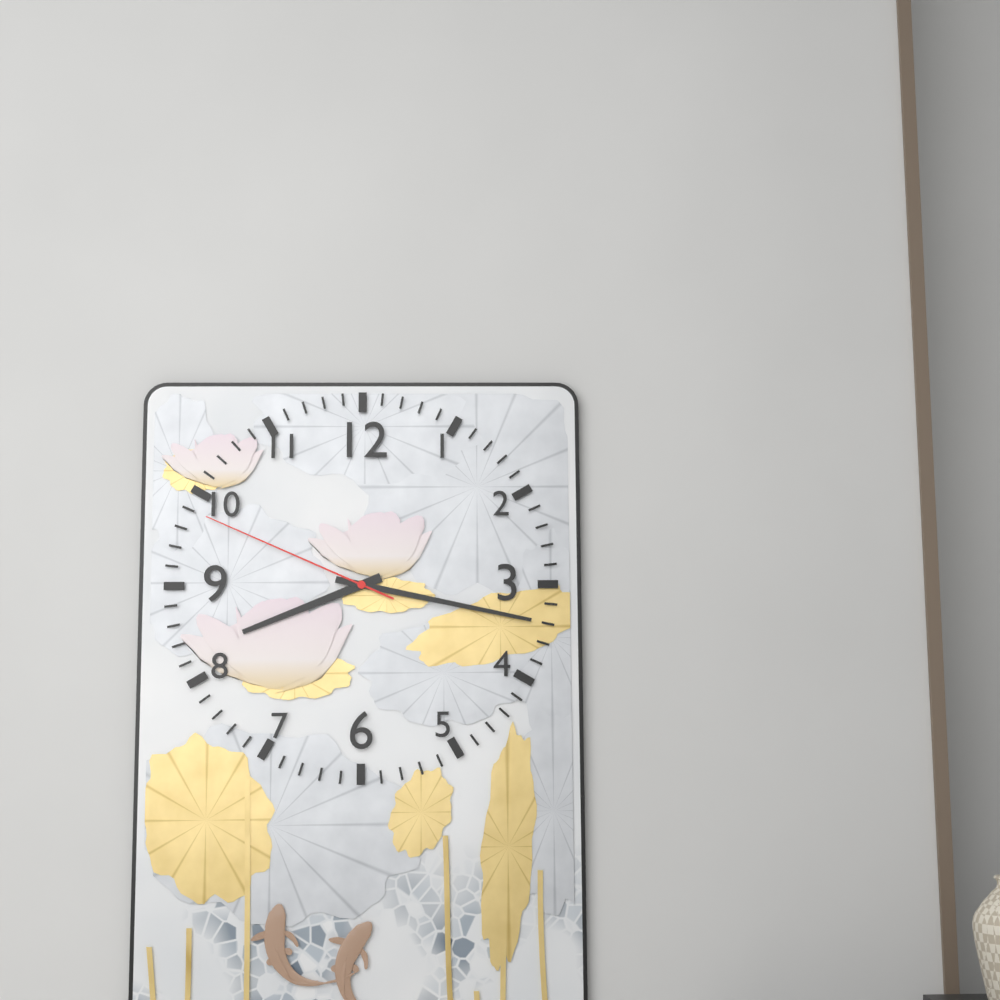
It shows 8 h 17 min 49 s
